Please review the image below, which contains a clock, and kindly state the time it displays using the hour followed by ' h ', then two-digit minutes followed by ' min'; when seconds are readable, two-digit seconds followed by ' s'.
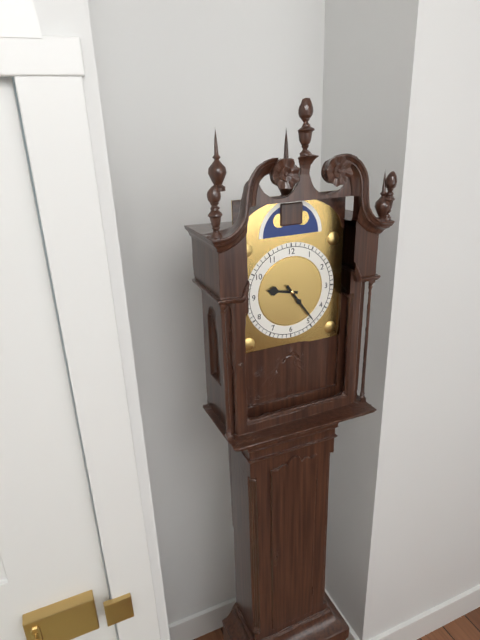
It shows 9 h 24 min
